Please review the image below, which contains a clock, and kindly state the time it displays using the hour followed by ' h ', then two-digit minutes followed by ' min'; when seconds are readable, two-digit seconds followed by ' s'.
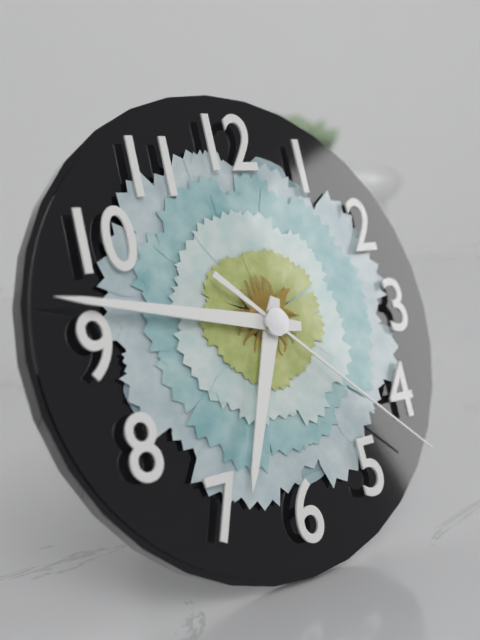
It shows 6 h 47 min 22 s
